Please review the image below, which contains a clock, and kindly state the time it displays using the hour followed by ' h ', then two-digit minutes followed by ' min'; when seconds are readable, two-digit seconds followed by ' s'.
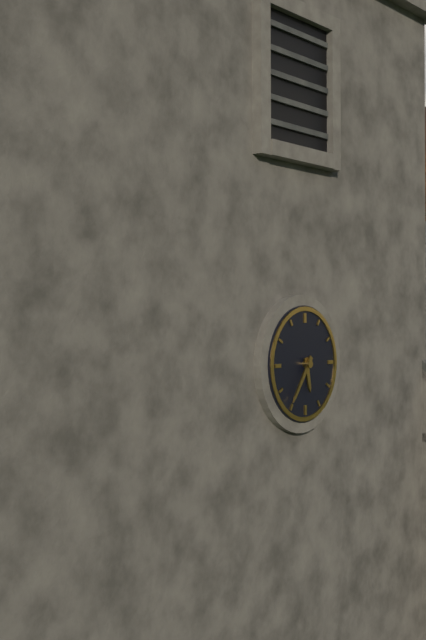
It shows 5 h 36 min
